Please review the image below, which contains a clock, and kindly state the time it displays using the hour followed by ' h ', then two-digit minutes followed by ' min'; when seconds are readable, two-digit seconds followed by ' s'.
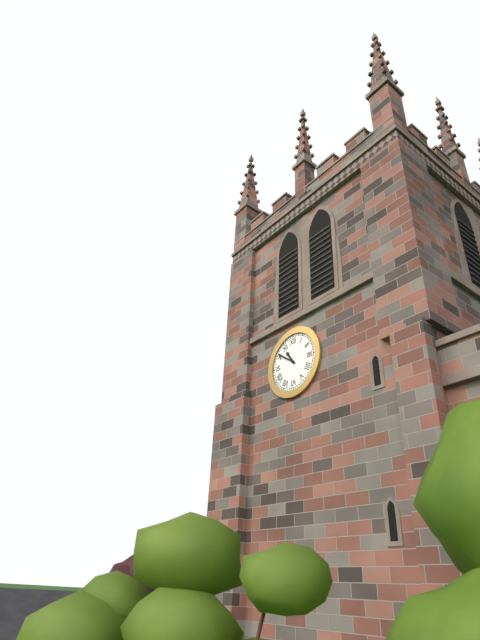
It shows 10 h 51 min
